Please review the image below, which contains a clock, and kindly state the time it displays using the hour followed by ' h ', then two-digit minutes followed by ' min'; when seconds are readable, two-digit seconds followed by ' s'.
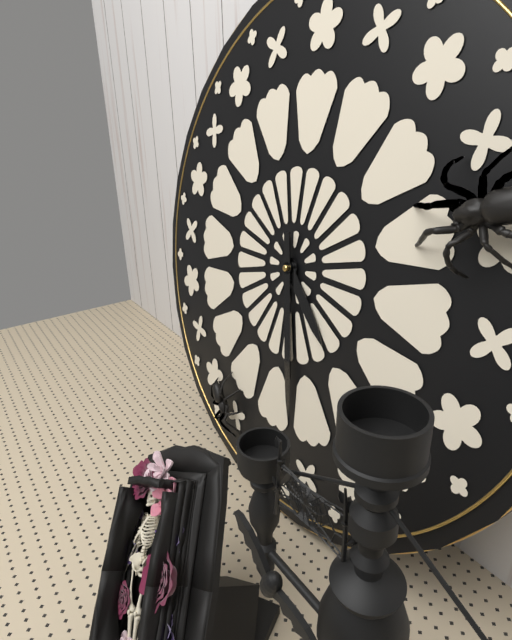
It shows 4 h 28 min
